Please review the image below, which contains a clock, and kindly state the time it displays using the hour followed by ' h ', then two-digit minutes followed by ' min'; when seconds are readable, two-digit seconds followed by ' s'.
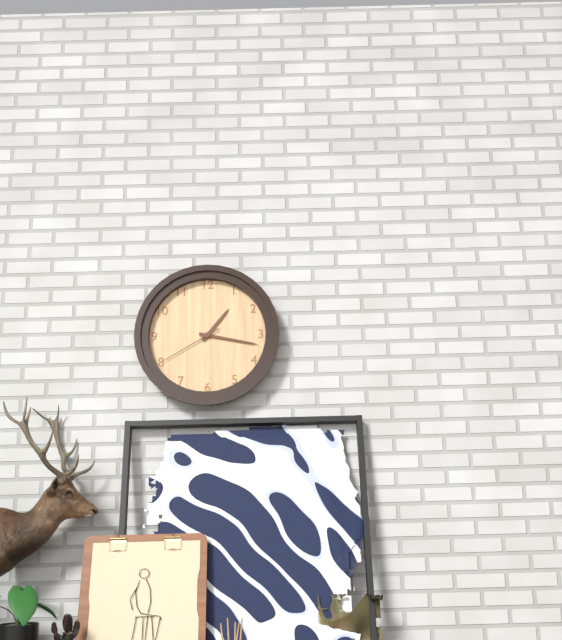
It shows 1 h 17 min 40 s
